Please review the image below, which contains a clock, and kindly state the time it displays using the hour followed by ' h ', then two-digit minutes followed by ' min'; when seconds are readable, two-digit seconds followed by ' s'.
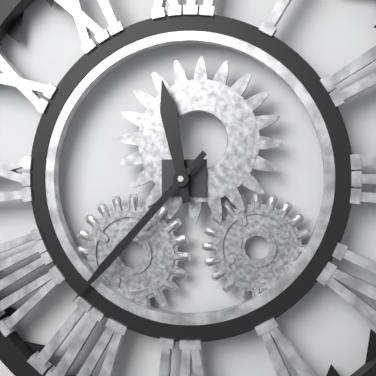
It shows 11 h 37 min
